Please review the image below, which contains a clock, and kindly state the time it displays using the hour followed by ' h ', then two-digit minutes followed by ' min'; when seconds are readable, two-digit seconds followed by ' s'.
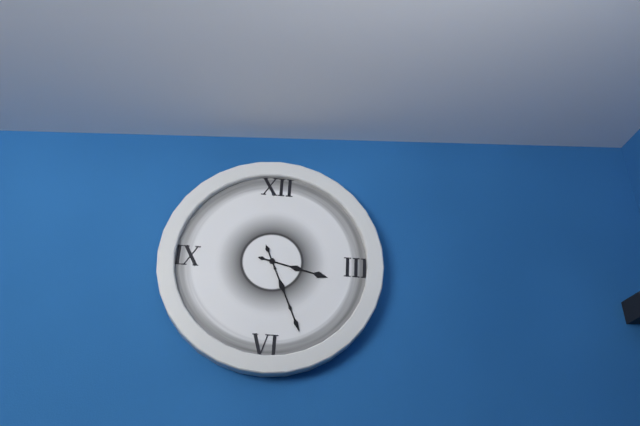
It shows 3 h 26 min
